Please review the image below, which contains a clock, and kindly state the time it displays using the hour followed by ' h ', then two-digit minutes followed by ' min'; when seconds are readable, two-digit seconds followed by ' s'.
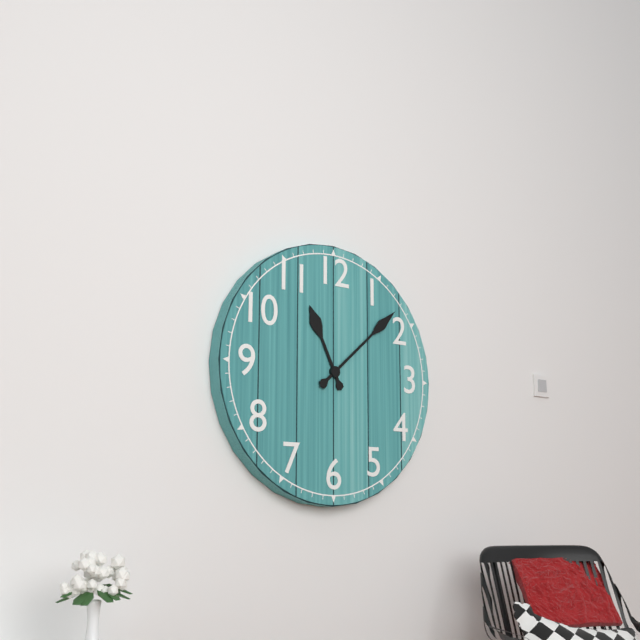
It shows 11 h 08 min
